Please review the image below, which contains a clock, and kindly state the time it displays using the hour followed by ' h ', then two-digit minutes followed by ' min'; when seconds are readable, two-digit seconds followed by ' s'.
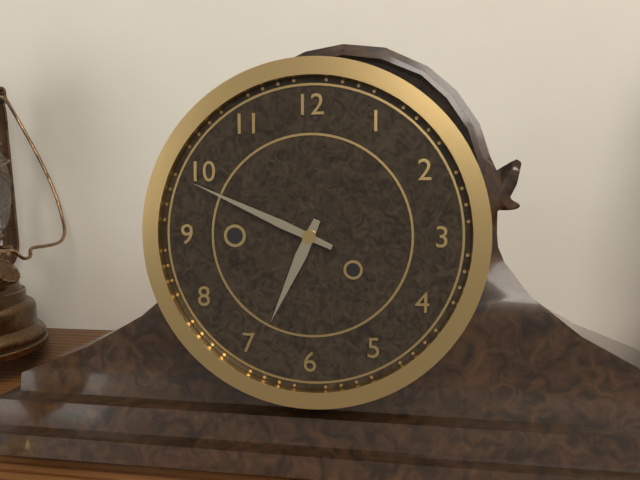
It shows 6 h 49 min
